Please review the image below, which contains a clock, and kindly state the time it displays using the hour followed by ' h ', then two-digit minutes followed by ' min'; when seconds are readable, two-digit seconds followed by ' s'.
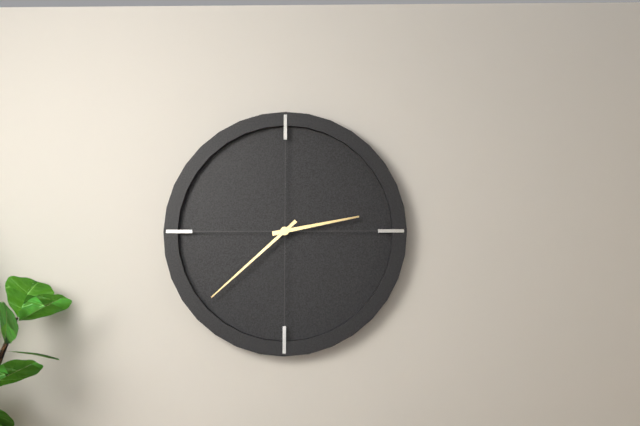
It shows 2 h 38 min
